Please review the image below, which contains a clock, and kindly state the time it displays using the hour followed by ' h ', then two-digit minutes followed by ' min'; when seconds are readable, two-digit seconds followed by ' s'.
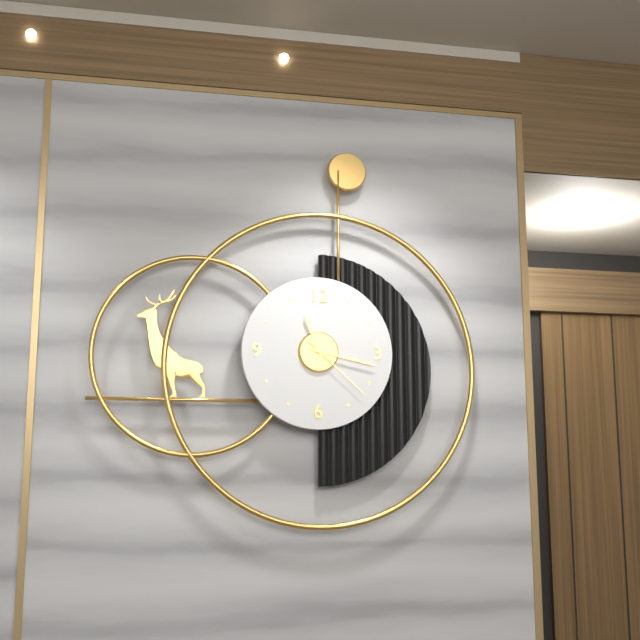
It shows 11 h 17 min 22 s
